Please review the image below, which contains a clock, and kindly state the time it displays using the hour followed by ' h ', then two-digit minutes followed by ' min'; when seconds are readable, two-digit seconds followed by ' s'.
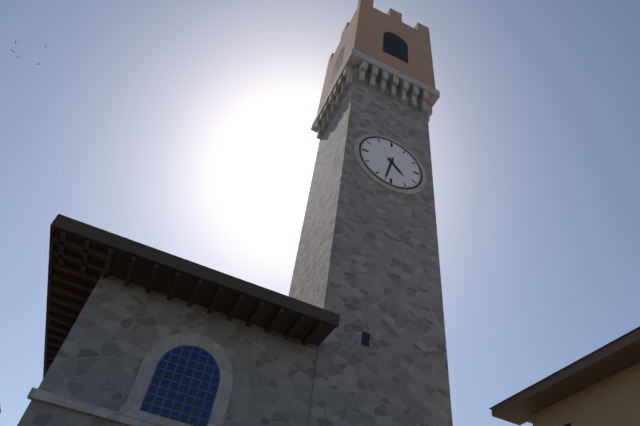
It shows 4 h 32 min
